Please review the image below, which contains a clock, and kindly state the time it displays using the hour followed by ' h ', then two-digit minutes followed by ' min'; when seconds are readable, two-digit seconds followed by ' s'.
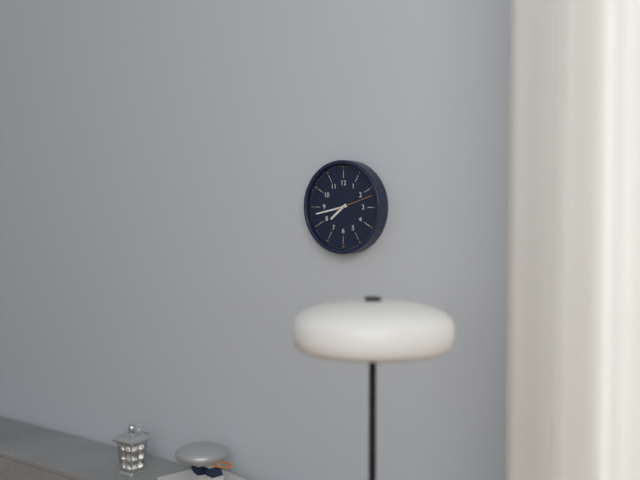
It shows 7 h 43 min
